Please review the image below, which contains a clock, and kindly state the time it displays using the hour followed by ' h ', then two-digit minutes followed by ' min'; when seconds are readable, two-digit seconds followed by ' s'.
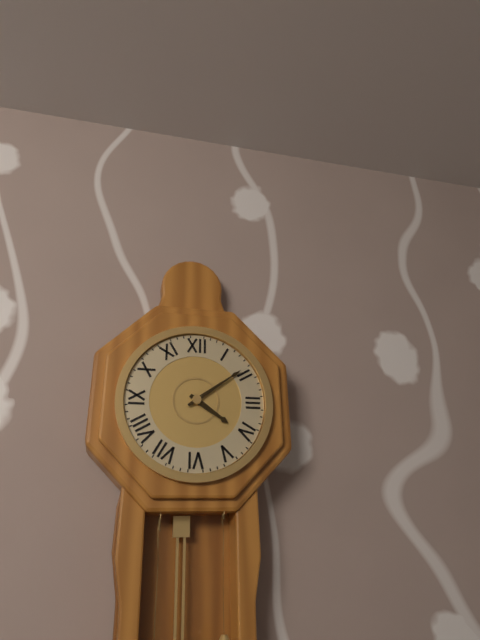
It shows 4 h 09 min
